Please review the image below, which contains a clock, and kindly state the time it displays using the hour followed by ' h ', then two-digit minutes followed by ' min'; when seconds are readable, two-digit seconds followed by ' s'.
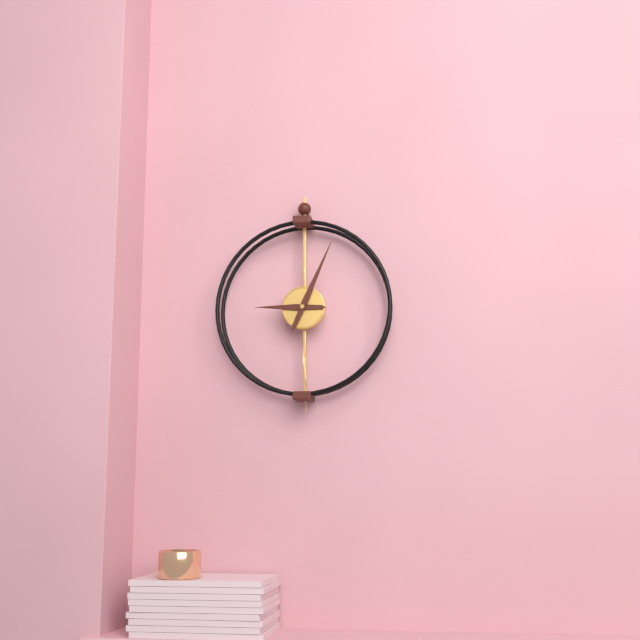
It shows 9 h 04 min
